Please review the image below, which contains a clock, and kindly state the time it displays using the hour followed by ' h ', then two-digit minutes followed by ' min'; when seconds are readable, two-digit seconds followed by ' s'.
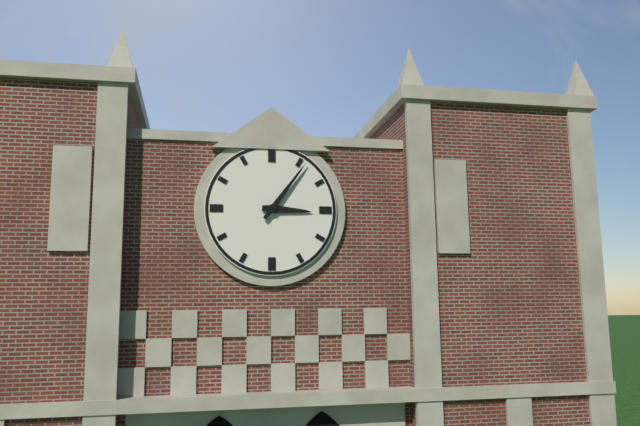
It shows 3 h 06 min
